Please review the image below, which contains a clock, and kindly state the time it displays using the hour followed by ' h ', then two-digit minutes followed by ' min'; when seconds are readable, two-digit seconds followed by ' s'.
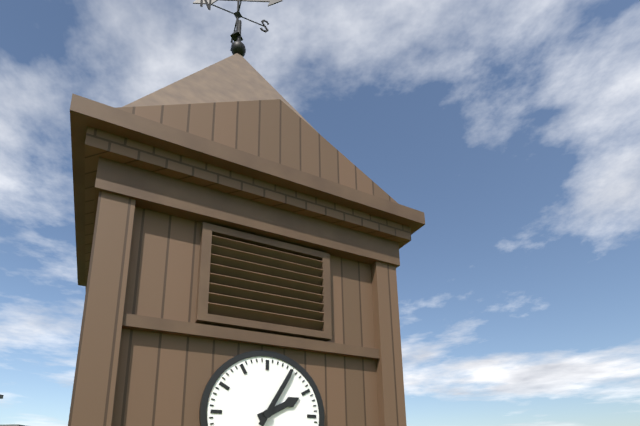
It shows 2 h 05 min
